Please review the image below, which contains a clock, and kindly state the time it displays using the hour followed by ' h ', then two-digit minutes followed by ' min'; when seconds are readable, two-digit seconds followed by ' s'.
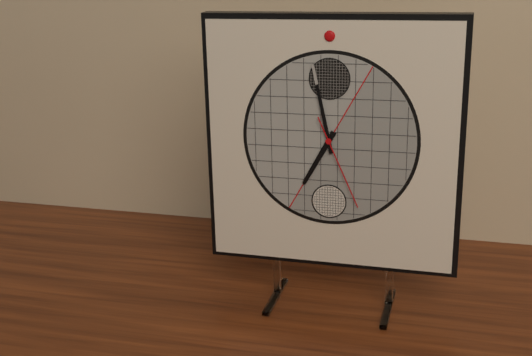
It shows 6 h 58 min 26 s
